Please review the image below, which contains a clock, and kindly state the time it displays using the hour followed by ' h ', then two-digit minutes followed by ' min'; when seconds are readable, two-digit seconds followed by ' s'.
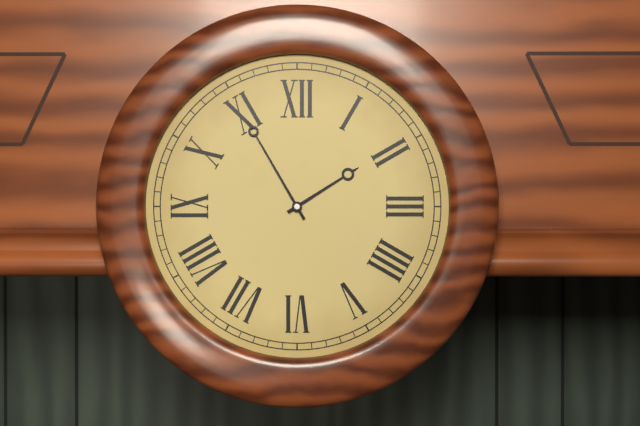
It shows 1 h 55 min
